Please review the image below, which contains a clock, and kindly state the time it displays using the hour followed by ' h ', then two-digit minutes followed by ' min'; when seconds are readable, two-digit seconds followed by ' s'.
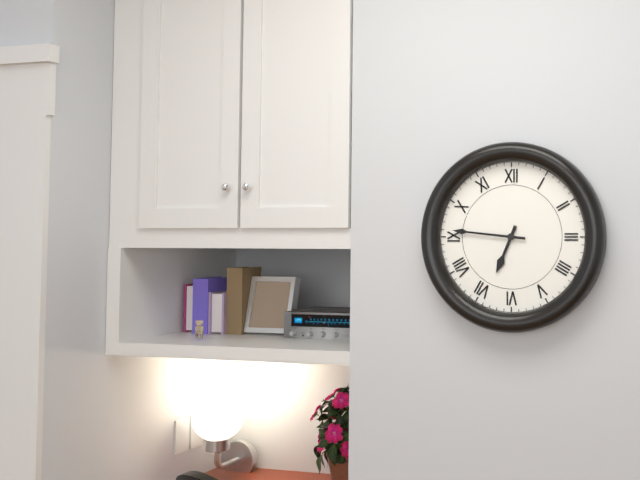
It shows 6 h 46 min
